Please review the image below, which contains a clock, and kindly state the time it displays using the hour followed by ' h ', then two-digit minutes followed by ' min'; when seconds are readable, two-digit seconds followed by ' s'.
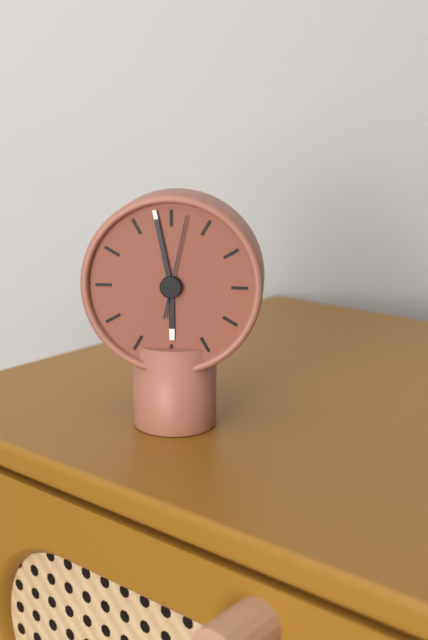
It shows 5 h 58 min 02 s
